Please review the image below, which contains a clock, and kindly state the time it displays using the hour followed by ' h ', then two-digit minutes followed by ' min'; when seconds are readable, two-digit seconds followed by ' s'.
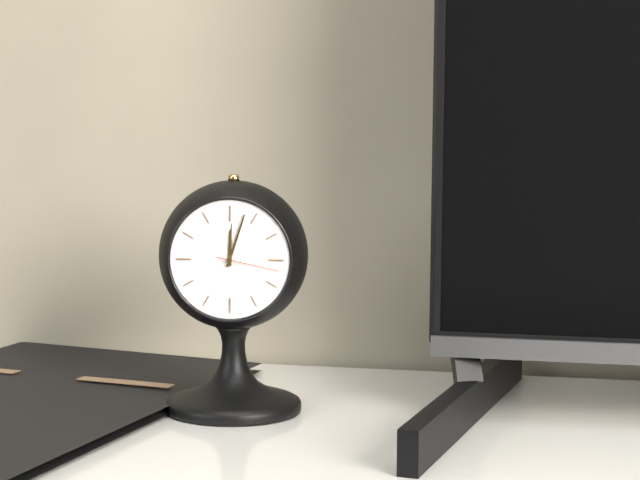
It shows 12 h 03 min 17 s
